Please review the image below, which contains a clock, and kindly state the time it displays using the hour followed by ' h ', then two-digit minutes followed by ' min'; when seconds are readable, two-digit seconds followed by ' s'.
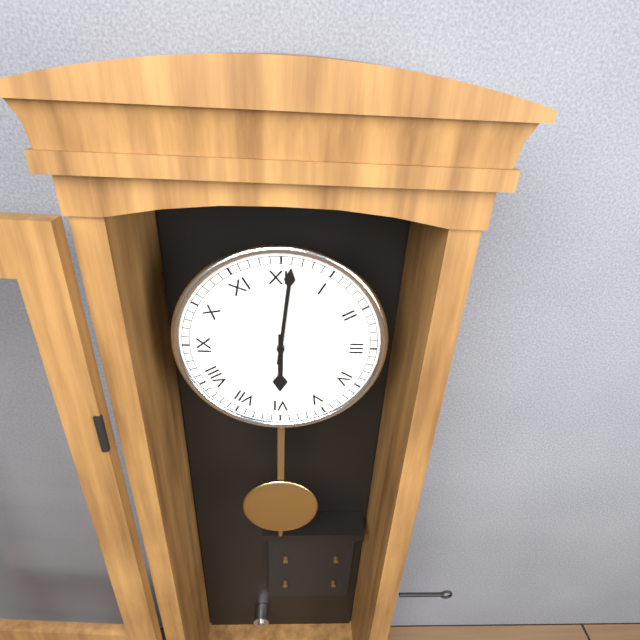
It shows 6 h 01 min
